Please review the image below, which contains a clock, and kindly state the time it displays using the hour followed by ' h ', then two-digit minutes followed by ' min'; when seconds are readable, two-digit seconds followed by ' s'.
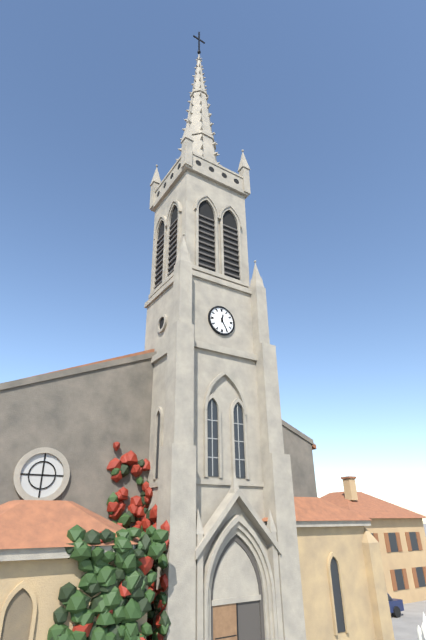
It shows 12 h 25 min
